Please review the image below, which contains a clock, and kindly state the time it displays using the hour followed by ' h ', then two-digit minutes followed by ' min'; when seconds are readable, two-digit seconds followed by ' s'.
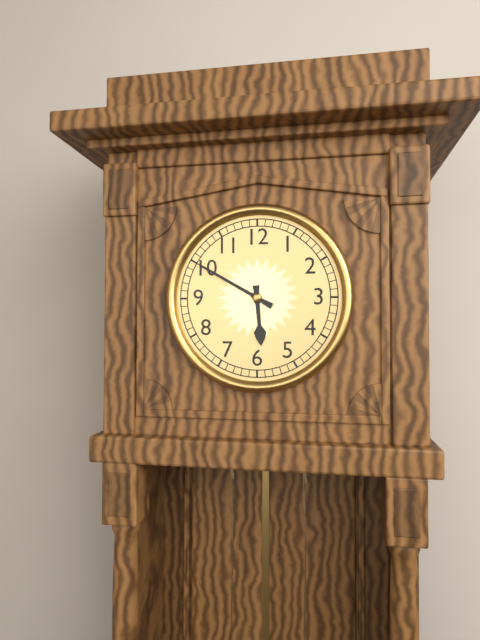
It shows 5 h 50 min
